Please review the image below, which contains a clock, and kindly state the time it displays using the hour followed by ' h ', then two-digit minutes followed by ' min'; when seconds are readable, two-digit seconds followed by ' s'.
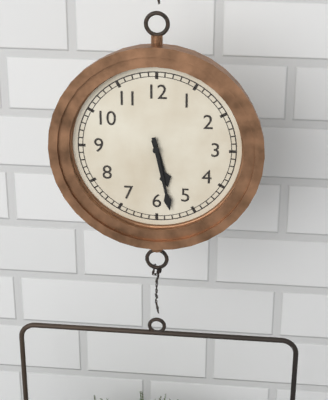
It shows 5 h 28 min
